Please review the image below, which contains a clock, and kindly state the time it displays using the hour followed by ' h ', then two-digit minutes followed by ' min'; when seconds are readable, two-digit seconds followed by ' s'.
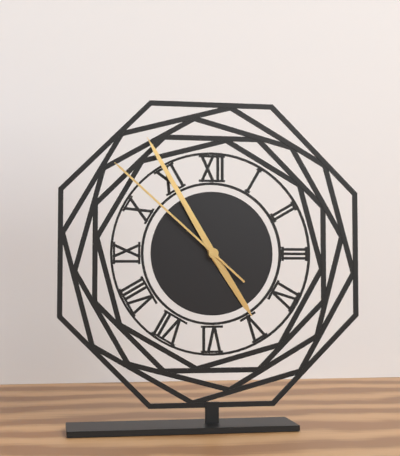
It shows 4 h 55 min 52 s
